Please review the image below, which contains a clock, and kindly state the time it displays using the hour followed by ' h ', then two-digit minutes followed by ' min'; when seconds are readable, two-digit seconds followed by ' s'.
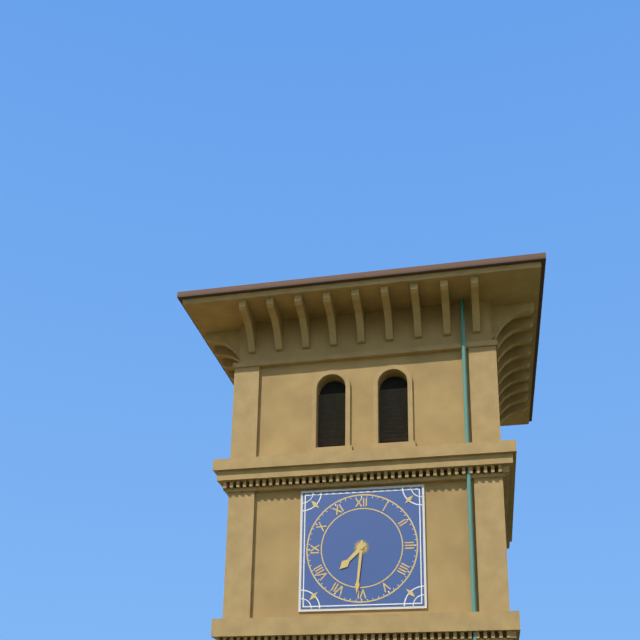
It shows 7 h 31 min
